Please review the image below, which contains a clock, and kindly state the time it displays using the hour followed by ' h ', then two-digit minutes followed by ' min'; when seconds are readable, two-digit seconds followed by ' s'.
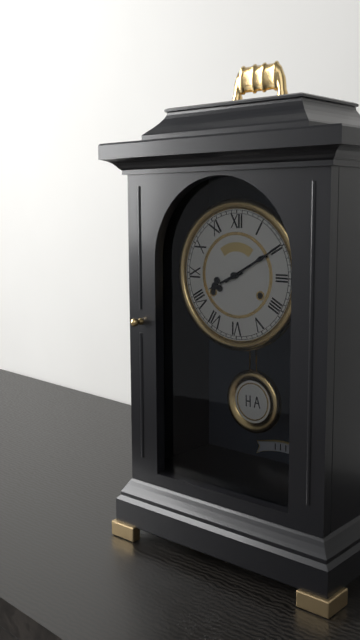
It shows 8 h 10 min
